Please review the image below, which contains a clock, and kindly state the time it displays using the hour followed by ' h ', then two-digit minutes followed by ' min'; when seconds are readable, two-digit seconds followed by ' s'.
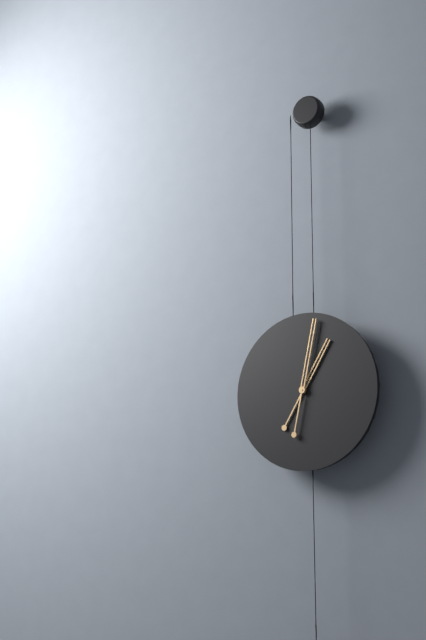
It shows 1 h 02 min
